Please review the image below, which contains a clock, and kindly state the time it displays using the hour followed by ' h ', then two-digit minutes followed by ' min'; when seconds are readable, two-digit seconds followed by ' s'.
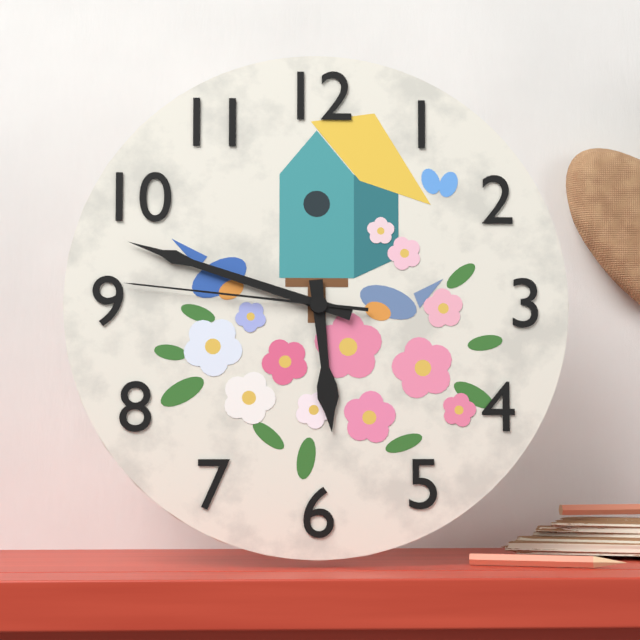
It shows 5 h 48 min 46 s
